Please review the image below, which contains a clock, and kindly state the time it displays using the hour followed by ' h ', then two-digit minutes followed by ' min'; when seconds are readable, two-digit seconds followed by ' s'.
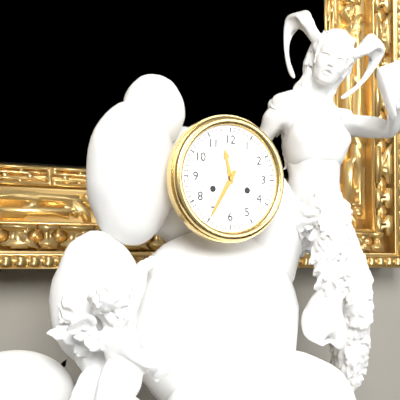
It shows 11 h 35 min
